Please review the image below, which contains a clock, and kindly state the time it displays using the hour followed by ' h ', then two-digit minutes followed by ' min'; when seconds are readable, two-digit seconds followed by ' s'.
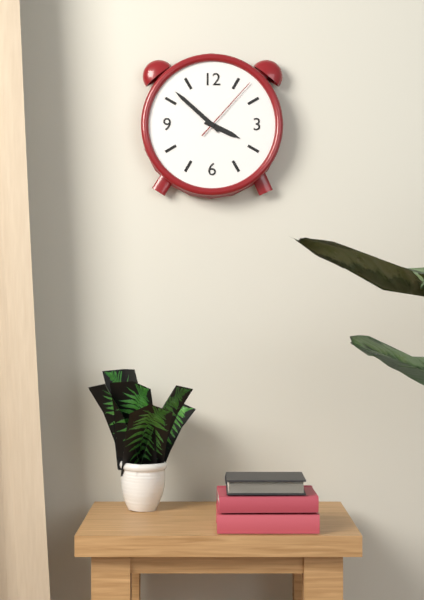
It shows 3 h 52 min 07 s
